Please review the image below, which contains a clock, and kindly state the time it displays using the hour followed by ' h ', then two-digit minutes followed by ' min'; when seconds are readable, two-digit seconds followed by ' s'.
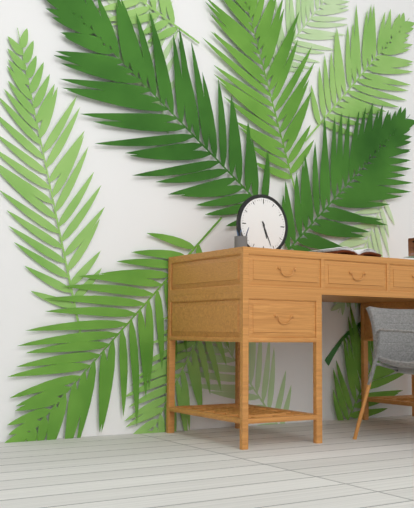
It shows 5 h 26 min
